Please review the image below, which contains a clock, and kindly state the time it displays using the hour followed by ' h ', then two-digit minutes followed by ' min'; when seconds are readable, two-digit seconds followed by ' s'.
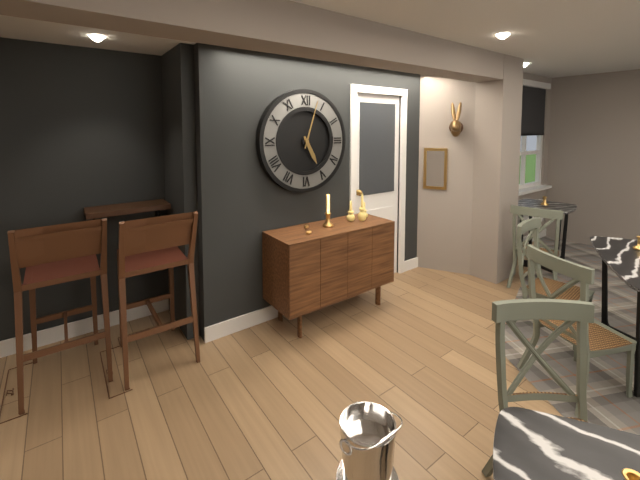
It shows 5 h 03 min
